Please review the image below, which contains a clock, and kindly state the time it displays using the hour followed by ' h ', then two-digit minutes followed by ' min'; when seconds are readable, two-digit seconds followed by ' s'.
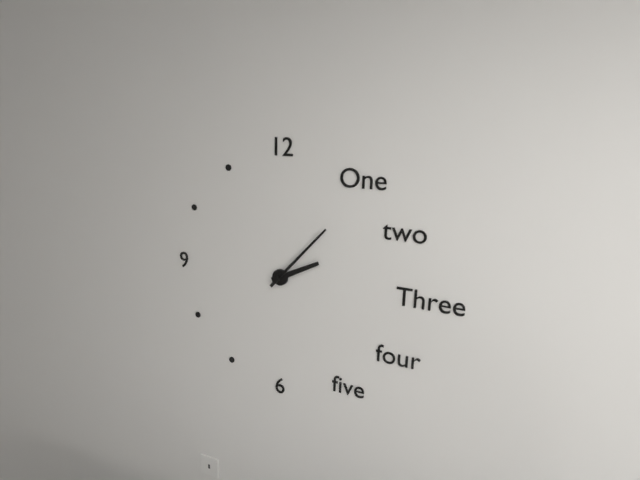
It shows 2 h 07 min
